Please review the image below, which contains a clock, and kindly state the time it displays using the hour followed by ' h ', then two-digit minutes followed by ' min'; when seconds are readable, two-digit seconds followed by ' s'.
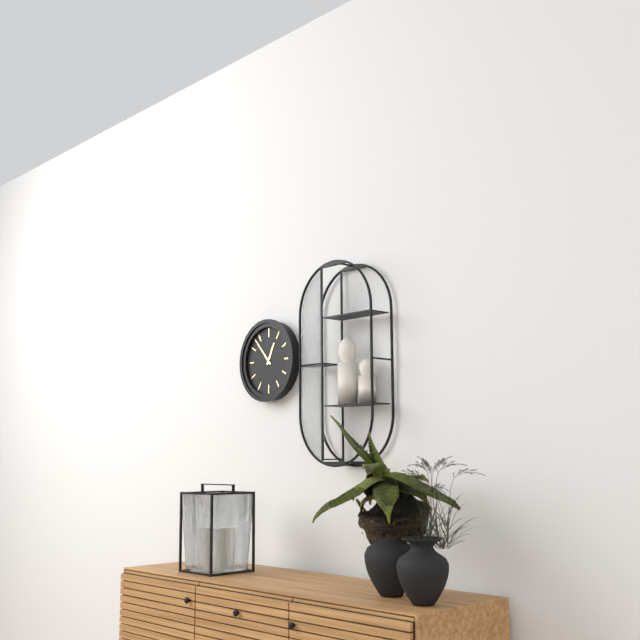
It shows 12 h 53 min
